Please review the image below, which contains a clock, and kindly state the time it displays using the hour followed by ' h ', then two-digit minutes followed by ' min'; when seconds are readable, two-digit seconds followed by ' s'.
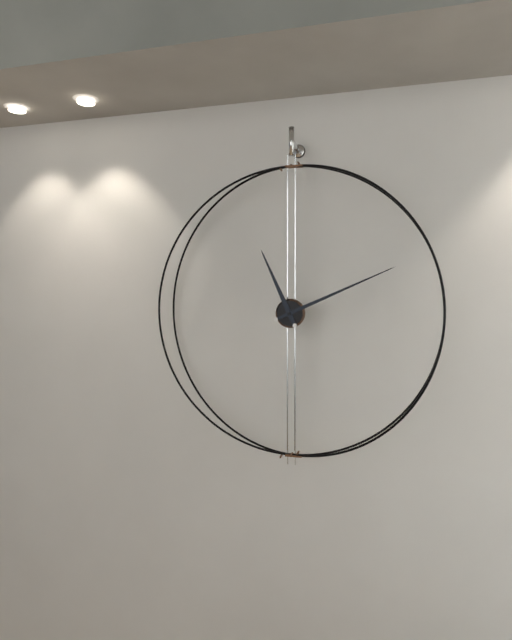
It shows 11 h 11 min
